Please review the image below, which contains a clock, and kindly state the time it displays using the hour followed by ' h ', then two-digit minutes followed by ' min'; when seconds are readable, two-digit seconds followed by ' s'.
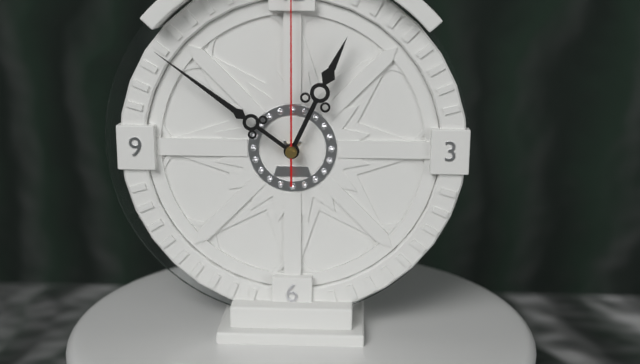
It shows 12 h 51 min
